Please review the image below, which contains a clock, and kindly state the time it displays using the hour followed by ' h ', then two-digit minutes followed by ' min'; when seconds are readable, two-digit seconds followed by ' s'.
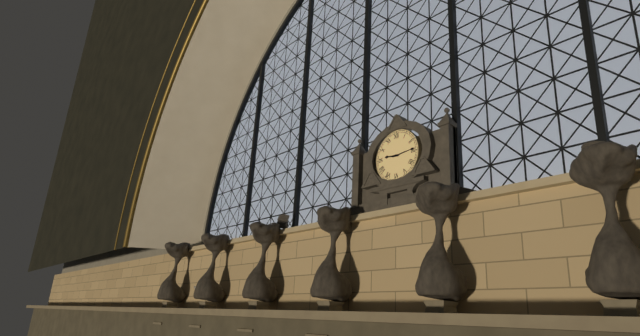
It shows 9 h 14 min
